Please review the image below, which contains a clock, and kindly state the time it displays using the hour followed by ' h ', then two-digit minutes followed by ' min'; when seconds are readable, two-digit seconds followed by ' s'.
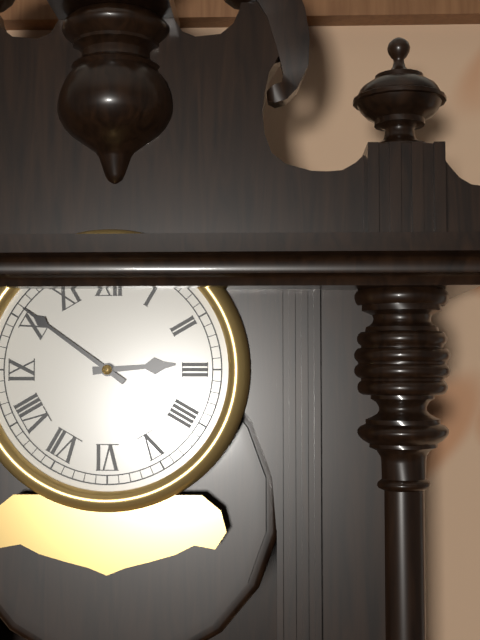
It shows 2 h 51 min
